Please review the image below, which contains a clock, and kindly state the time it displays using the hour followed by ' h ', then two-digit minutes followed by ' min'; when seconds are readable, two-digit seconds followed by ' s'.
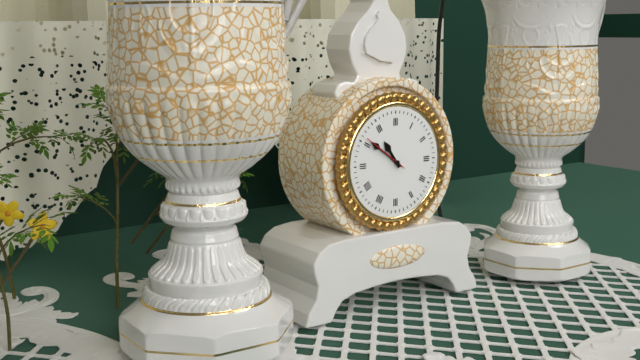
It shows 10 h 51 min
